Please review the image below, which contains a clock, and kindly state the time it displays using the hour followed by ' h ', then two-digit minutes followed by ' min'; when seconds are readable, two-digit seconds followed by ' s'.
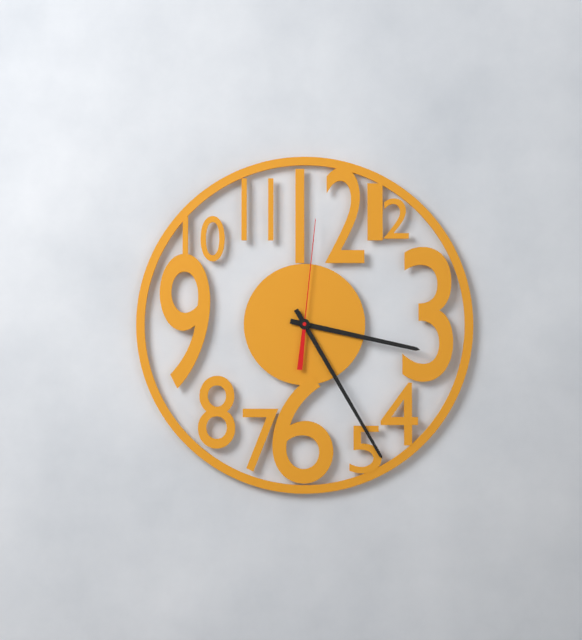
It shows 3 h 25 min 01 s
